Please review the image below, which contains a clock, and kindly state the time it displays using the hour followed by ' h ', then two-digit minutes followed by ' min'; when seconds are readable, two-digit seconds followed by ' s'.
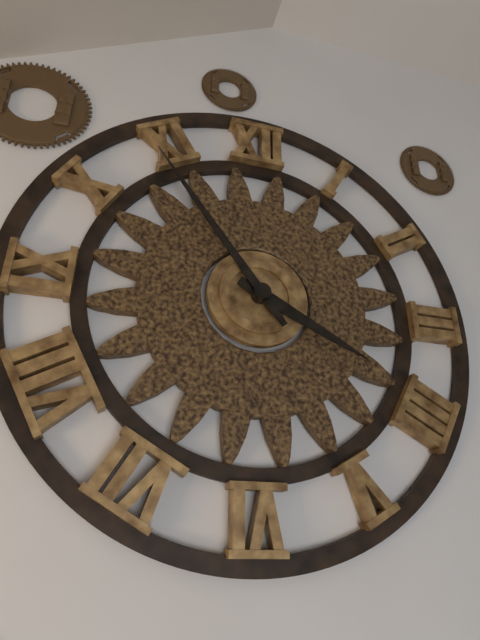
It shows 3 h 54 min
